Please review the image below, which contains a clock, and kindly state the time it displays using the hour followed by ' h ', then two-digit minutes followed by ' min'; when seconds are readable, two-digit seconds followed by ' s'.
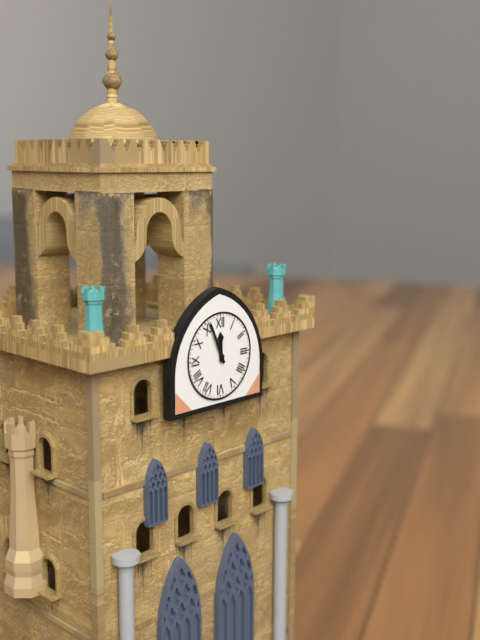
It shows 11 h 56 min
